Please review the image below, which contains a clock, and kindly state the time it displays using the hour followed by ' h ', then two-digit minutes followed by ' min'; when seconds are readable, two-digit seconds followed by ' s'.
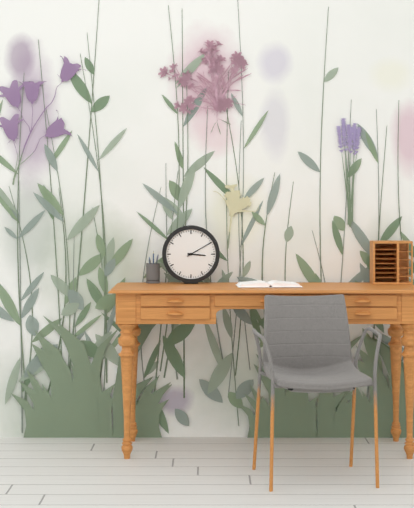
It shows 3 h 10 min
